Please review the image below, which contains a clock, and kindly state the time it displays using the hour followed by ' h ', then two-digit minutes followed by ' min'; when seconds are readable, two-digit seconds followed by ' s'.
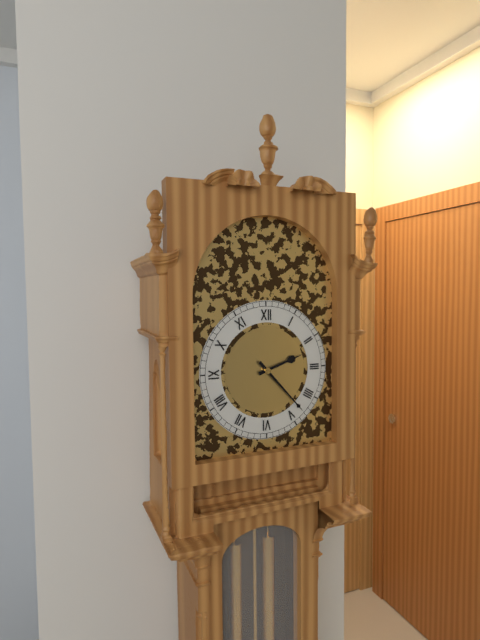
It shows 2 h 23 min
